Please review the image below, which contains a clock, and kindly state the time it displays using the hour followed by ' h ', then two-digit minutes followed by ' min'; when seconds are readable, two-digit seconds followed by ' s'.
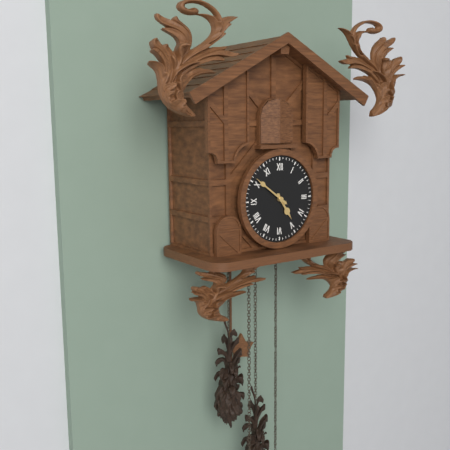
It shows 4 h 51 min
